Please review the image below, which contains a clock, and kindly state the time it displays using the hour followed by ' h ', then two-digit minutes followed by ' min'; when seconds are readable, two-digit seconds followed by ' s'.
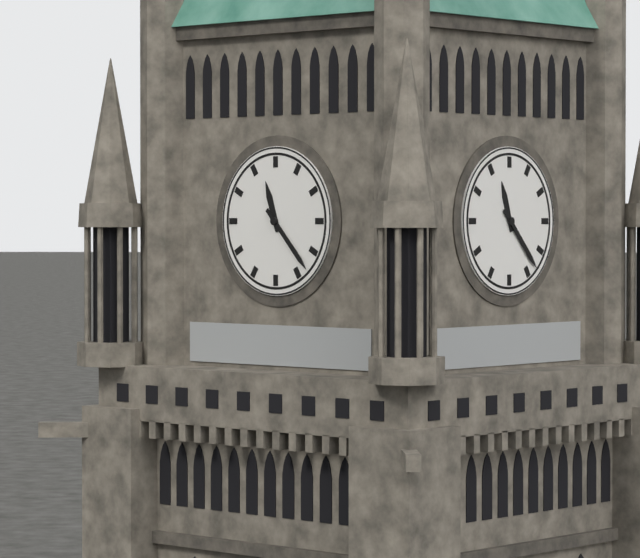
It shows 11 h 23 min
